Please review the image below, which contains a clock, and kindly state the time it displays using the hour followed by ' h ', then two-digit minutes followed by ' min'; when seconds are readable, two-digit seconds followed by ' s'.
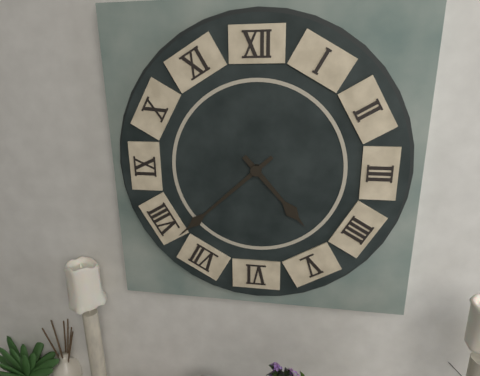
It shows 4 h 38 min
